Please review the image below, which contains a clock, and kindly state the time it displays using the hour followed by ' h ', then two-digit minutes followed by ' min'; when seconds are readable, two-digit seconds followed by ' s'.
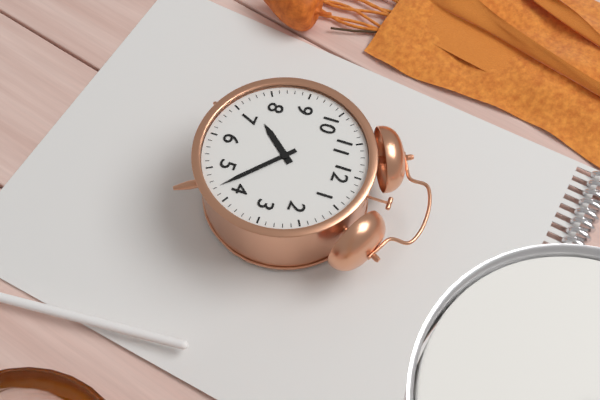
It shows 7 h 22 min
